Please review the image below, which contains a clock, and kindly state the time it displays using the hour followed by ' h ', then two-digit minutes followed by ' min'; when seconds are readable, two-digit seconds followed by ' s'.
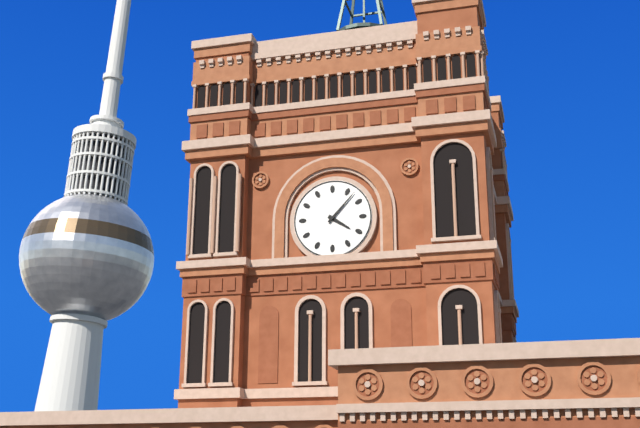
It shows 4 h 07 min
